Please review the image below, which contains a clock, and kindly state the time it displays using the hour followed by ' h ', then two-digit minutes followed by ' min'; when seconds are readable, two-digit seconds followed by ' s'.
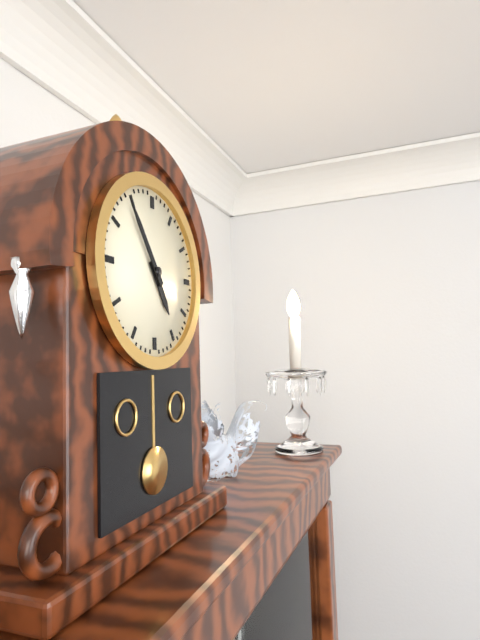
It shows 4 h 54 min
